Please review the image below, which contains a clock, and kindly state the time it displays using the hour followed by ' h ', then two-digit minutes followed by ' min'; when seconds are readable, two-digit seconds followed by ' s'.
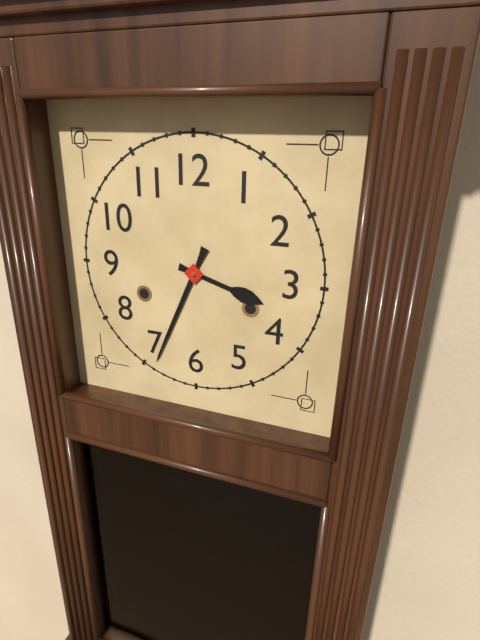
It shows 3 h 34 min
